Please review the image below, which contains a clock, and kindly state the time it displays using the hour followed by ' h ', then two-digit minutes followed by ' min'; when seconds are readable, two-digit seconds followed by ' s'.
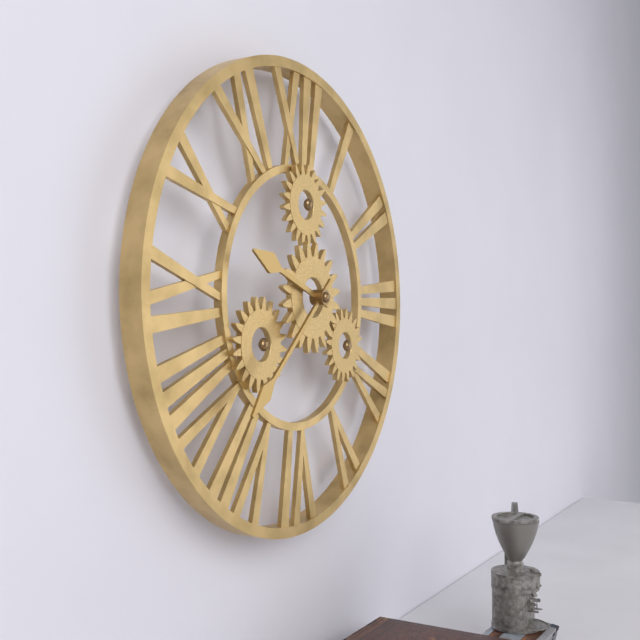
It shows 9 h 38 min
